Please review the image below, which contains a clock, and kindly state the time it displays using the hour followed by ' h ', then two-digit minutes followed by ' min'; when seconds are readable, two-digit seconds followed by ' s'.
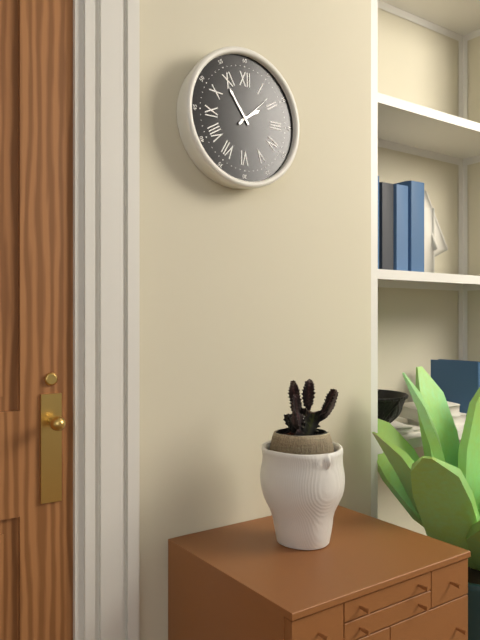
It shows 1 h 54 min
